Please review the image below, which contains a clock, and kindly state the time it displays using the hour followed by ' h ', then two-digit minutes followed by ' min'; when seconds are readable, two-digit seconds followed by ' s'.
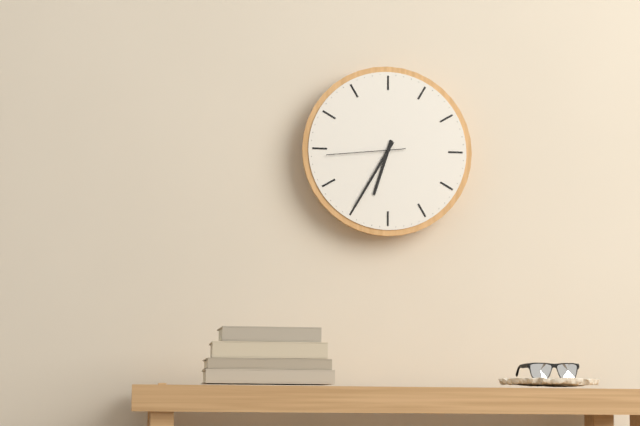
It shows 6 h 35 min 44 s
